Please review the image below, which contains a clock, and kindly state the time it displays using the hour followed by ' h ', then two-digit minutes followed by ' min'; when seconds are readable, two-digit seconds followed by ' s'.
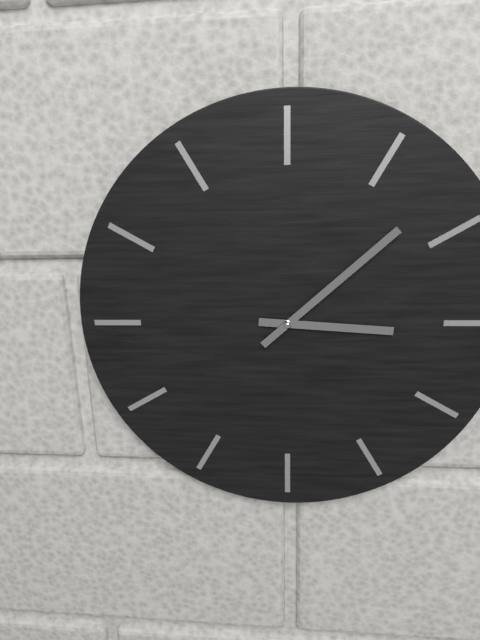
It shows 3 h 08 min
